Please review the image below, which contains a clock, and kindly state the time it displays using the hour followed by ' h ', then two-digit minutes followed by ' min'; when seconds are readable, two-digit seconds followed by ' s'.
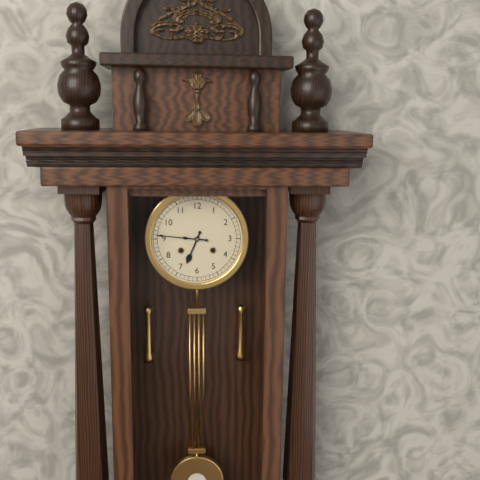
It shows 6 h 46 min
